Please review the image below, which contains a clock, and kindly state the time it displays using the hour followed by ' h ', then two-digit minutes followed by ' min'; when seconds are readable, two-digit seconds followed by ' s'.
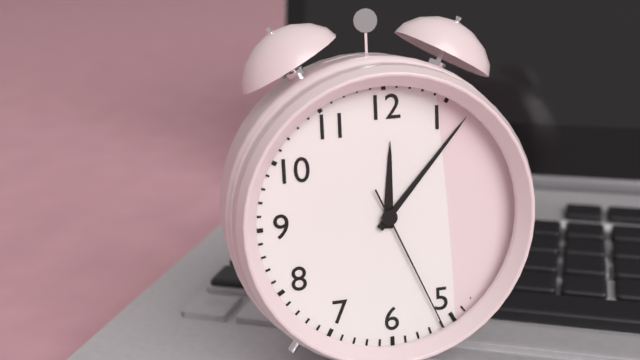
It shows 12 h 07 min 26 s
